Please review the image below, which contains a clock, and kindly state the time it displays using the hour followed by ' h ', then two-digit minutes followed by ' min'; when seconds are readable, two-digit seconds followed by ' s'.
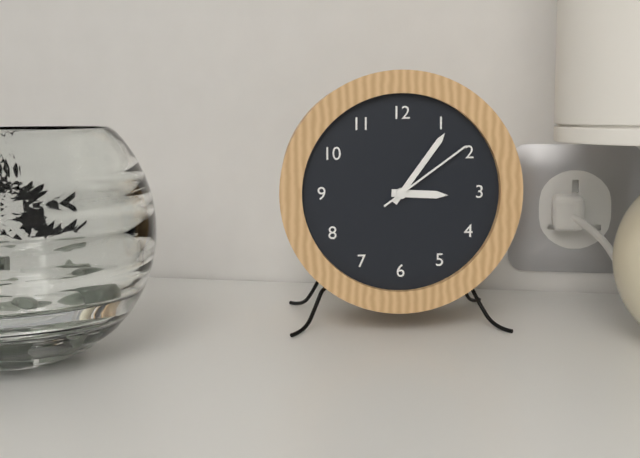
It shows 3 h 06 min 09 s
